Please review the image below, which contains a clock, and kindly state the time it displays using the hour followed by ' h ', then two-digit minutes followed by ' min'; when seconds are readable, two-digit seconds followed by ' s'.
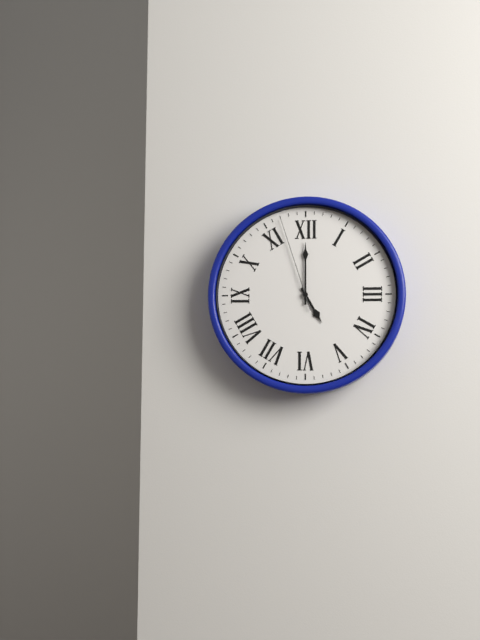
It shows 5 h 00 min 57 s
